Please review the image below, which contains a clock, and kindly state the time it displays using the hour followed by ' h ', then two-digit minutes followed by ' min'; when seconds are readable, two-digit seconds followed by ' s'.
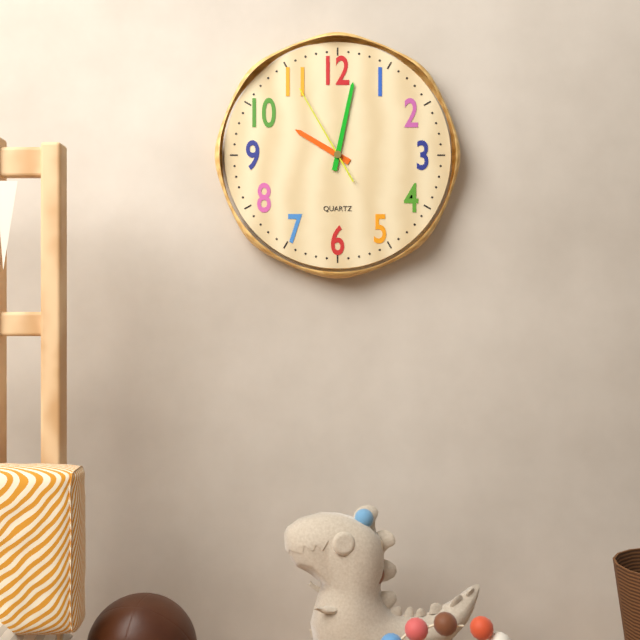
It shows 10 h 02 min 55 s
